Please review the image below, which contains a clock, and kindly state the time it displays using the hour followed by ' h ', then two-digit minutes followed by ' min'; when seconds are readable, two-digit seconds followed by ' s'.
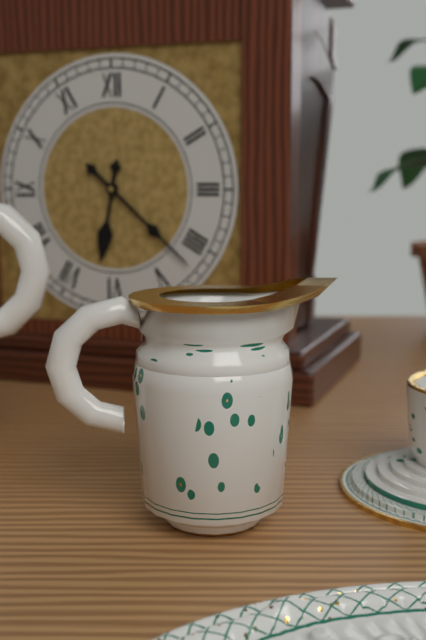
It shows 6 h 22 min
